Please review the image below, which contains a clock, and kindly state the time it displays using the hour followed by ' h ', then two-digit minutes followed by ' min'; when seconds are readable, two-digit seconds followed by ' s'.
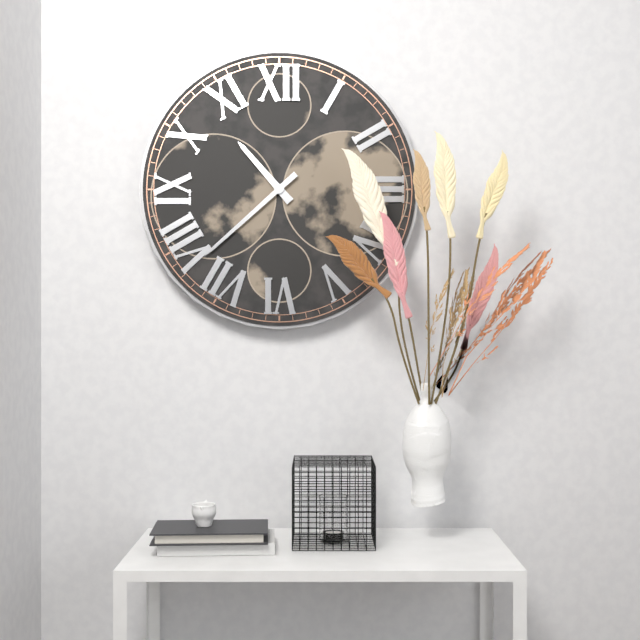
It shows 10 h 38 min
